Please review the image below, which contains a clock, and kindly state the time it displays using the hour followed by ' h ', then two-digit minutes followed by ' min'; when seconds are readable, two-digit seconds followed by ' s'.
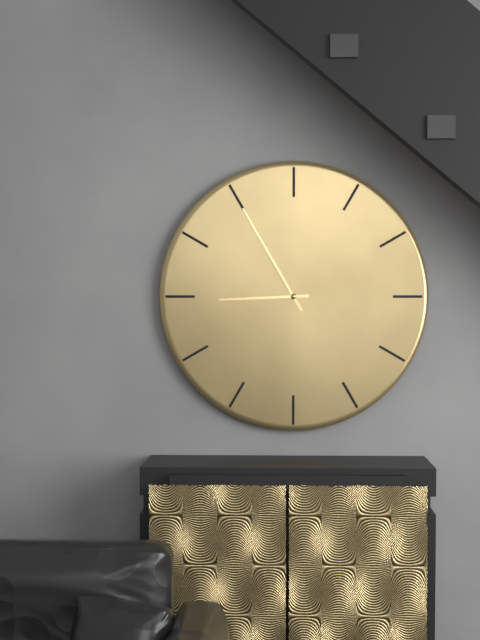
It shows 8 h 55 min
